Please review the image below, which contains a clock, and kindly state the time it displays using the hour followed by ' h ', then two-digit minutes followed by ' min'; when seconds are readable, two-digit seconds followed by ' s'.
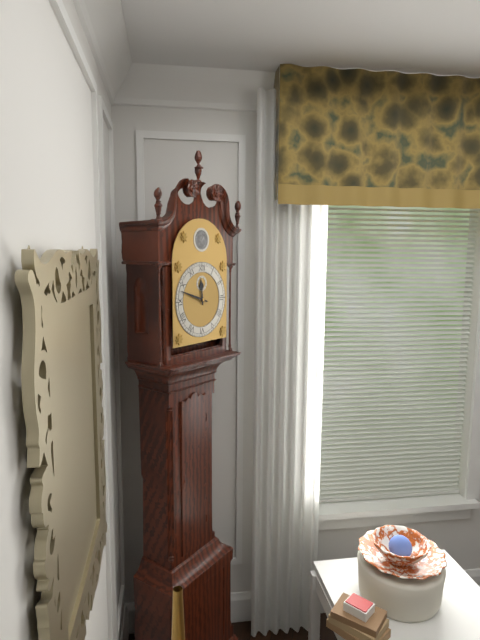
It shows 11 h 48 min
